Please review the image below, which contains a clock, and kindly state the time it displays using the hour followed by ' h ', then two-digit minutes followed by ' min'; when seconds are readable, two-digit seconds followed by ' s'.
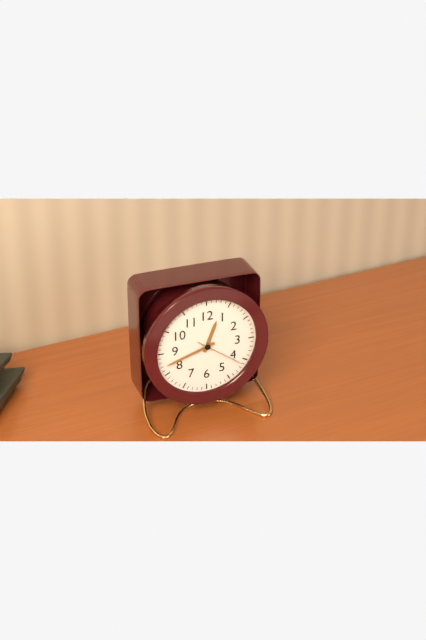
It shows 12 h 42 min
